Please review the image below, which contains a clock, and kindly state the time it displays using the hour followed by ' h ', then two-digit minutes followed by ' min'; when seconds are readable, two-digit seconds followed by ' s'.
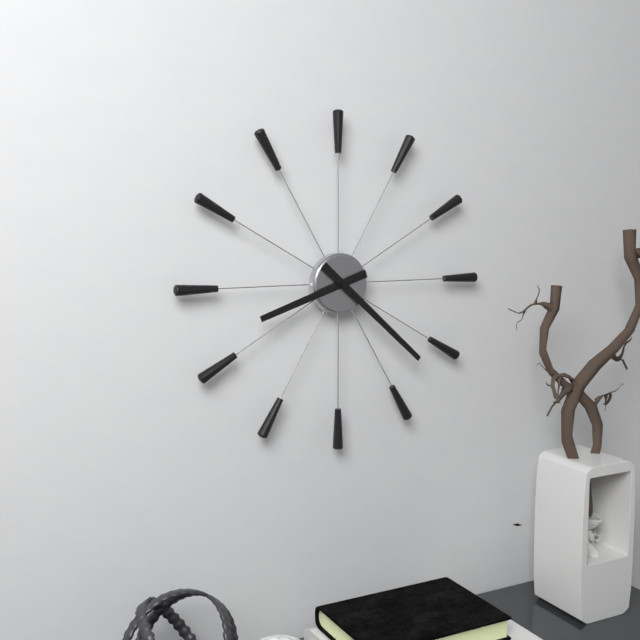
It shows 8 h 22 min
